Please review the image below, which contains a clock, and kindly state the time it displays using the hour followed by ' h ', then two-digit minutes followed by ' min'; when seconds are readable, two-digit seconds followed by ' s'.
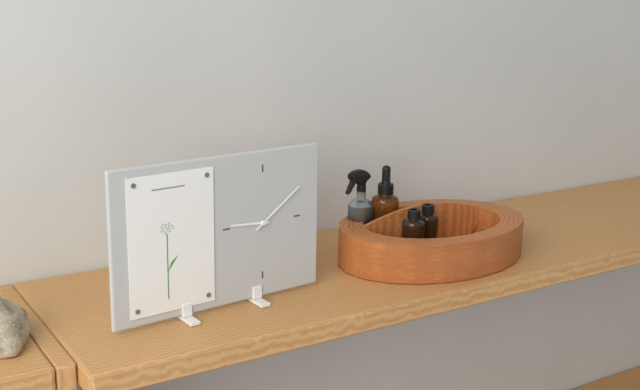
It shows 9 h 09 min
